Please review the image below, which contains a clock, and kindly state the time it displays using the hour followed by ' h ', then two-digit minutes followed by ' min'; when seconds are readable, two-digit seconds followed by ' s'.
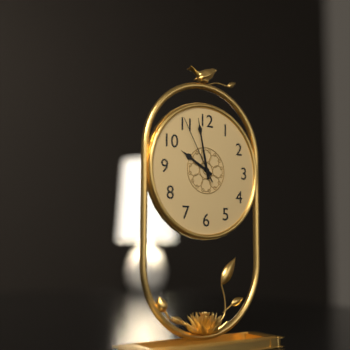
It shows 9 h 58 min 55 s
